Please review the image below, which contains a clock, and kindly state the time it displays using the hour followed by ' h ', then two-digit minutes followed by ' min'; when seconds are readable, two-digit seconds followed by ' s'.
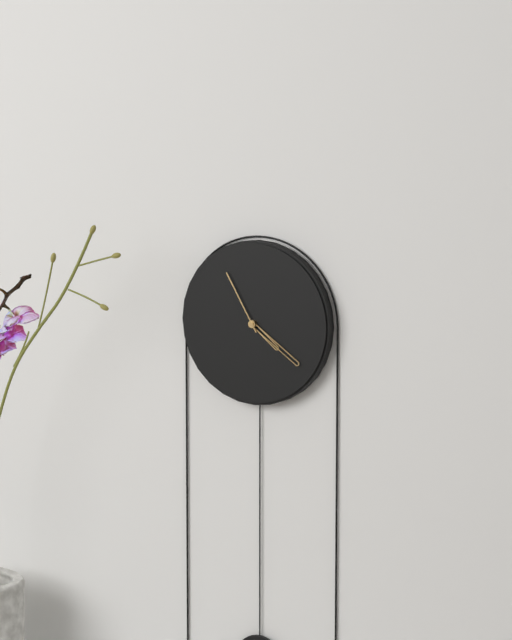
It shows 4 h 21 min 55 s
